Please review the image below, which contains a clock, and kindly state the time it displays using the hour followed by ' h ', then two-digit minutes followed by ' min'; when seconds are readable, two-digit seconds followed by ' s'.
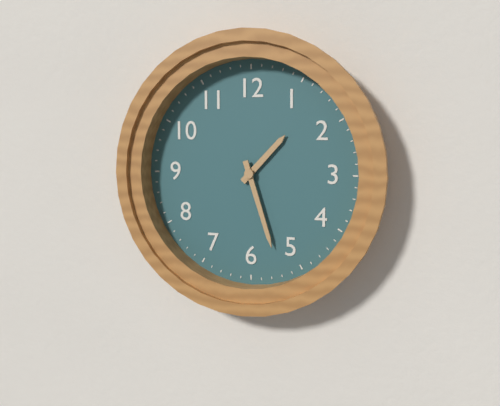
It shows 1 h 27 min
